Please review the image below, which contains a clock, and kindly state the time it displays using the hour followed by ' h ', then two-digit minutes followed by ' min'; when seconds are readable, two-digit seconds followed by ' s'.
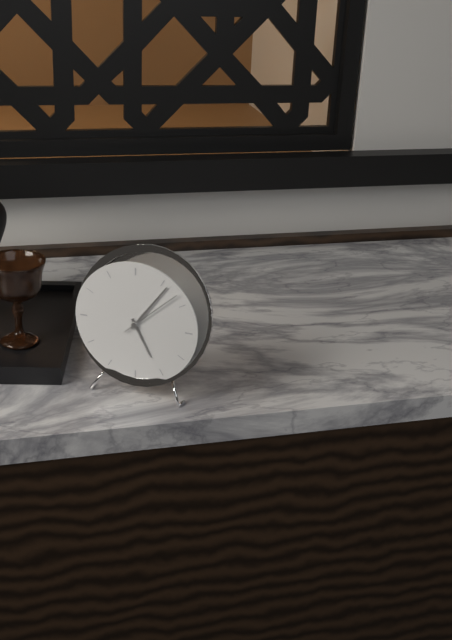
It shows 5 h 06 min 08 s
